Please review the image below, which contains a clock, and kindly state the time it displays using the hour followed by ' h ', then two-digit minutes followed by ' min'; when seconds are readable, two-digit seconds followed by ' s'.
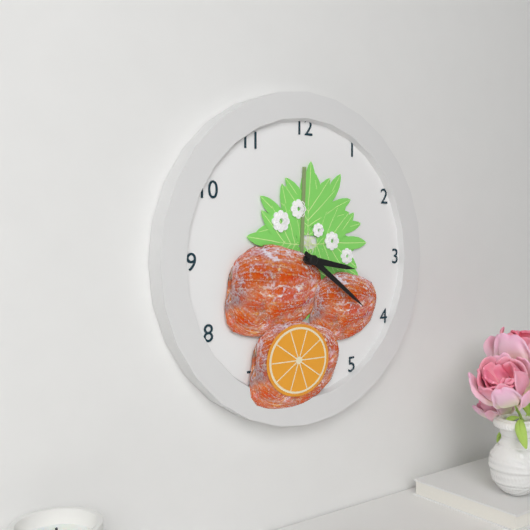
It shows 3 h 21 min
